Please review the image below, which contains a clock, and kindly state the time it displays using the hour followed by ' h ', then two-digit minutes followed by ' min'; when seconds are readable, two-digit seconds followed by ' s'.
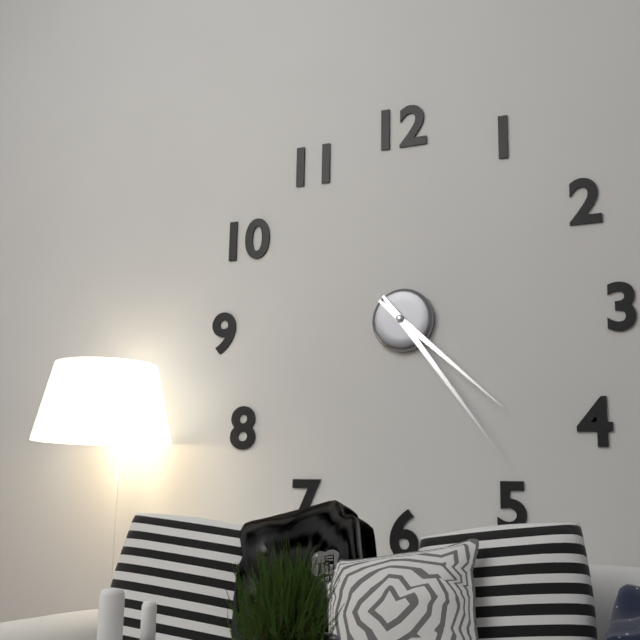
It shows 4 h 24 min
